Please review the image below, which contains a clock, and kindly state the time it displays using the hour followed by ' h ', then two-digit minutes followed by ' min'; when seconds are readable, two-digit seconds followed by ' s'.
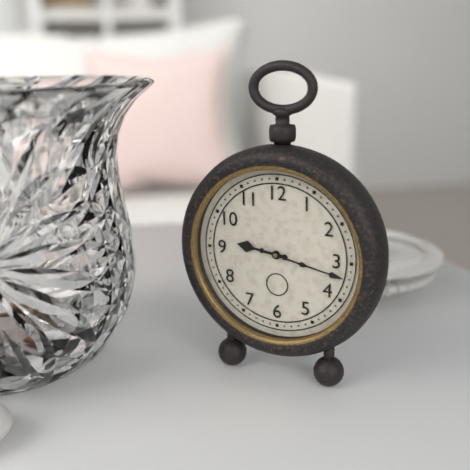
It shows 9 h 17 min
